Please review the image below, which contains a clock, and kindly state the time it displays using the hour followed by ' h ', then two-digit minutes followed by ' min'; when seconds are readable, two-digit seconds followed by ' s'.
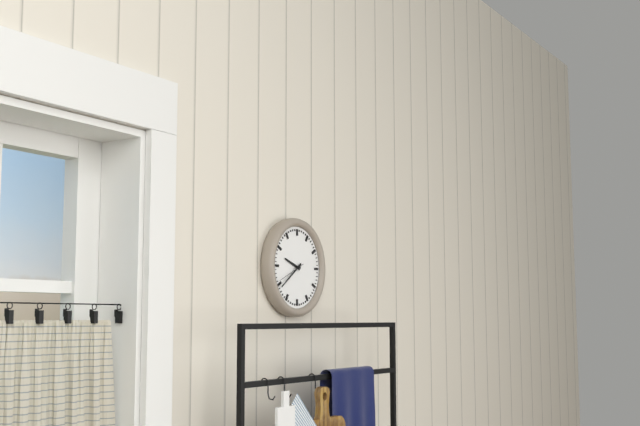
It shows 9 h 39 min
